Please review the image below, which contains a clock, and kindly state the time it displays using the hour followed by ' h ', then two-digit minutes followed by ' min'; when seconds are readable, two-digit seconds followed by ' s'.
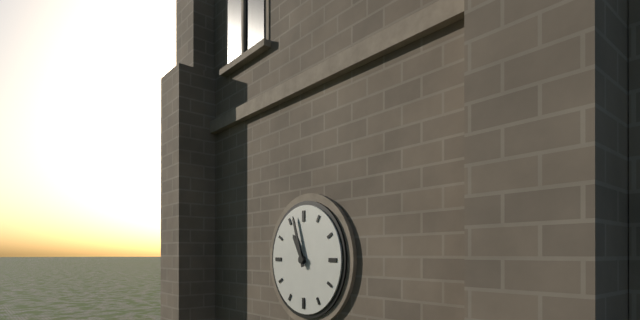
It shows 10 h 57 min
